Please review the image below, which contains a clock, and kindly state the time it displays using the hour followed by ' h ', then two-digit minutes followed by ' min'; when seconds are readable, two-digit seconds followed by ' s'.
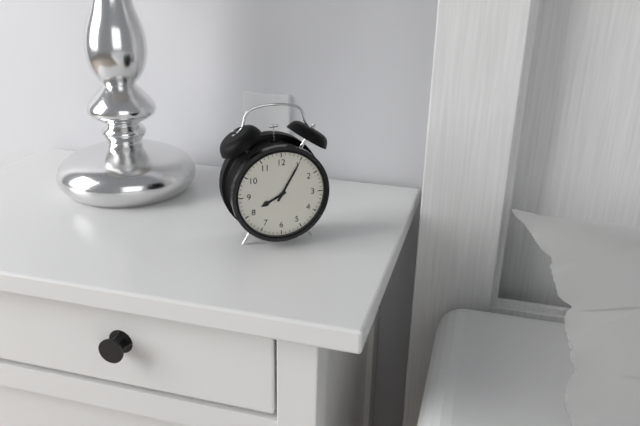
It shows 8 h 05 min
